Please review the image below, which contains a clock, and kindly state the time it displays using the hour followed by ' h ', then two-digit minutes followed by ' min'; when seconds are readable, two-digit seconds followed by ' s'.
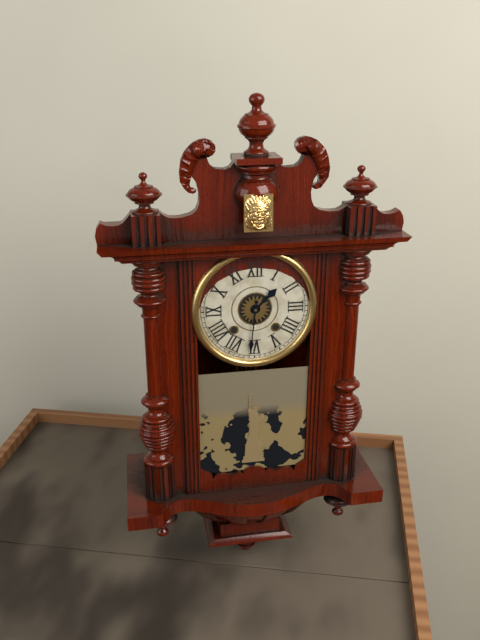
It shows 1 h 31 min
